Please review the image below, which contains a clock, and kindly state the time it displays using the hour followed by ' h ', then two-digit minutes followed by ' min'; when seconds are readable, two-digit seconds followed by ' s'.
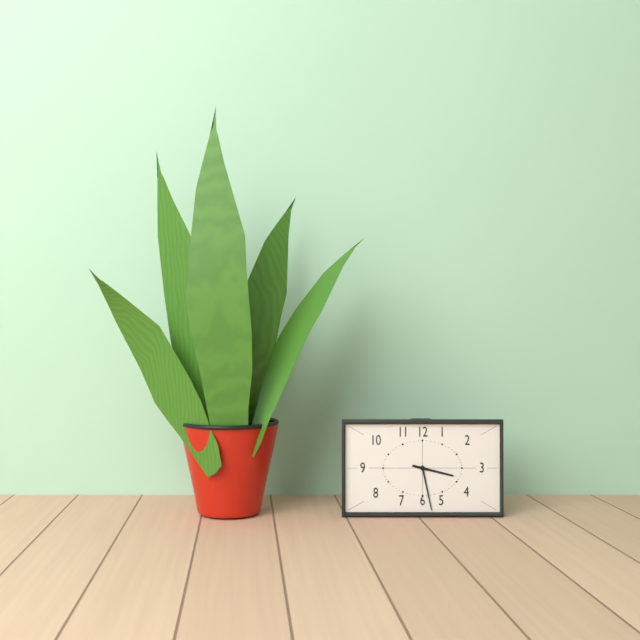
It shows 3 h 28 min
